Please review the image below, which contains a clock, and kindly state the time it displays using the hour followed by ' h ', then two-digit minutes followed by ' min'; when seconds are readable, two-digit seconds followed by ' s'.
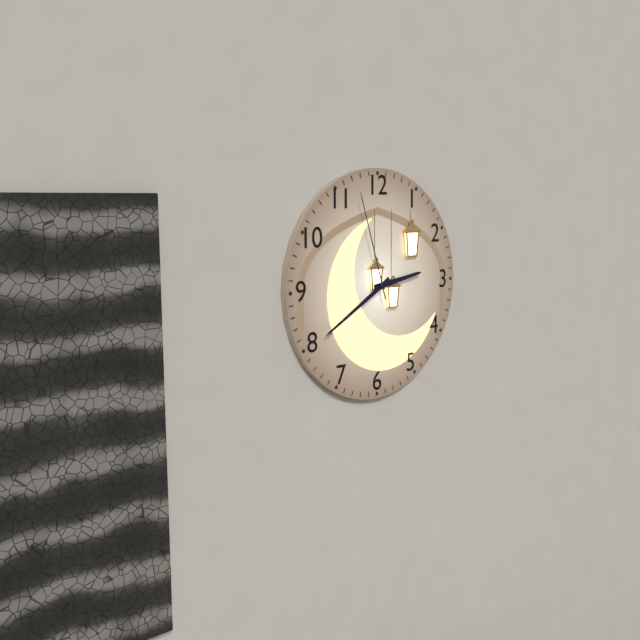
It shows 2 h 40 min 57 s
